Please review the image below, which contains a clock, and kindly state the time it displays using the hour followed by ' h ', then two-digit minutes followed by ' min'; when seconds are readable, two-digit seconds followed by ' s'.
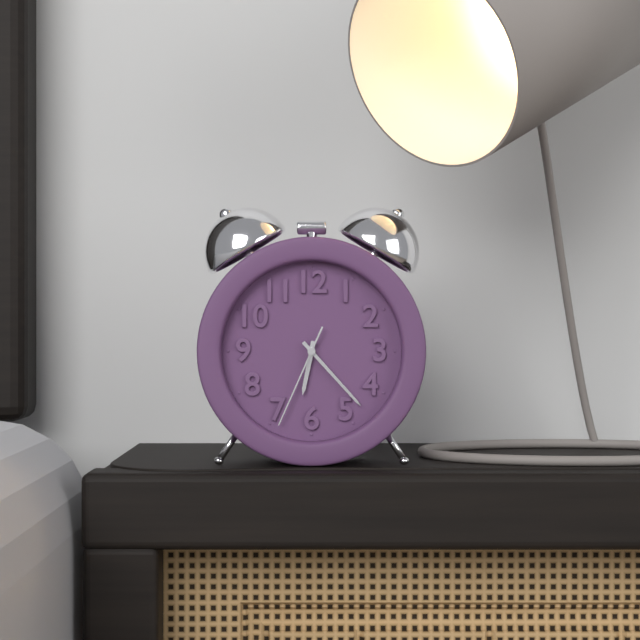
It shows 6 h 23 min 34 s
